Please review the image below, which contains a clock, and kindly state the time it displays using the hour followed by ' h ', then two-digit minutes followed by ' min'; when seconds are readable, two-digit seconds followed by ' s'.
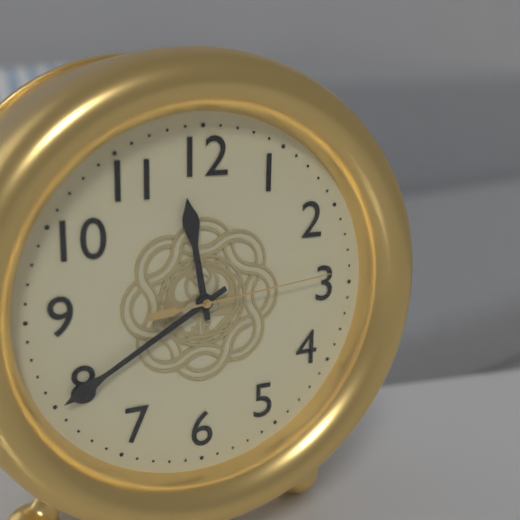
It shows 11 h 40 min 14 s
